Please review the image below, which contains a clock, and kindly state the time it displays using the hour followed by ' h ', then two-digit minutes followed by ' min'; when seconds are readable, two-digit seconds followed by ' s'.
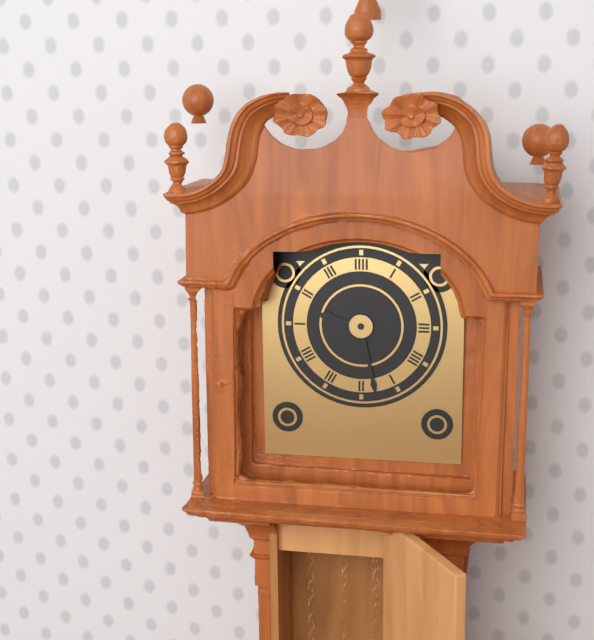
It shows 9 h 28 min
